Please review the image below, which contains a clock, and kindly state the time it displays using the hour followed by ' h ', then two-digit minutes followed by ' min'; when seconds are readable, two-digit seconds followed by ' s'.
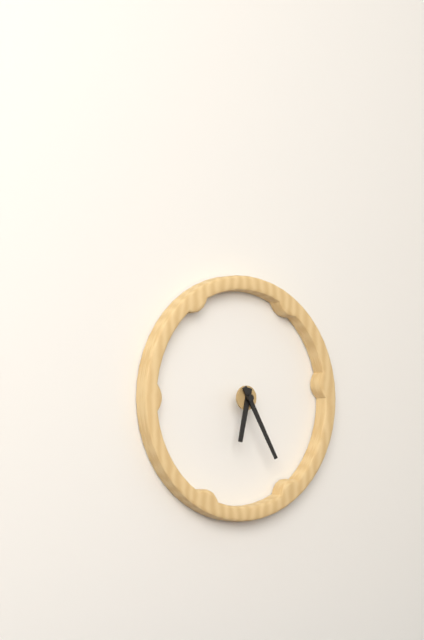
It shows 6 h 25 min
